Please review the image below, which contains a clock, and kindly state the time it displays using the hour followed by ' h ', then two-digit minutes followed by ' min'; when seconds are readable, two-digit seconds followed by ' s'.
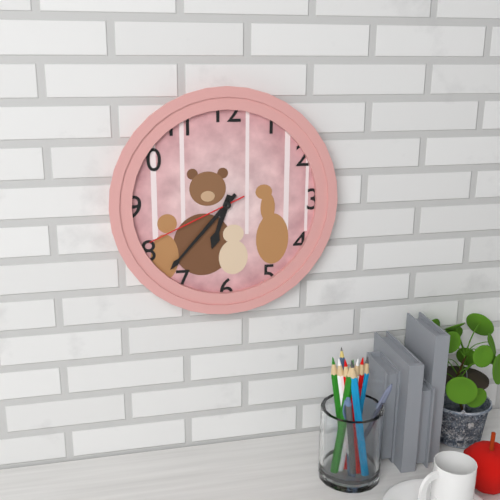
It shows 6 h 37 min 41 s
